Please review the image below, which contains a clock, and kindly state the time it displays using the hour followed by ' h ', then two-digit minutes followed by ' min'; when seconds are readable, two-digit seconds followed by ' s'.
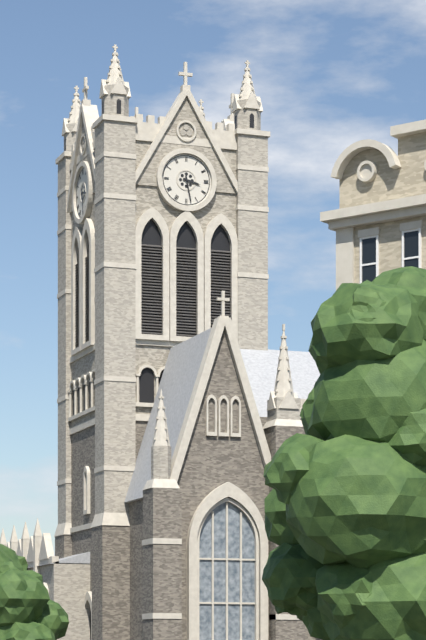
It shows 3 h 28 min
